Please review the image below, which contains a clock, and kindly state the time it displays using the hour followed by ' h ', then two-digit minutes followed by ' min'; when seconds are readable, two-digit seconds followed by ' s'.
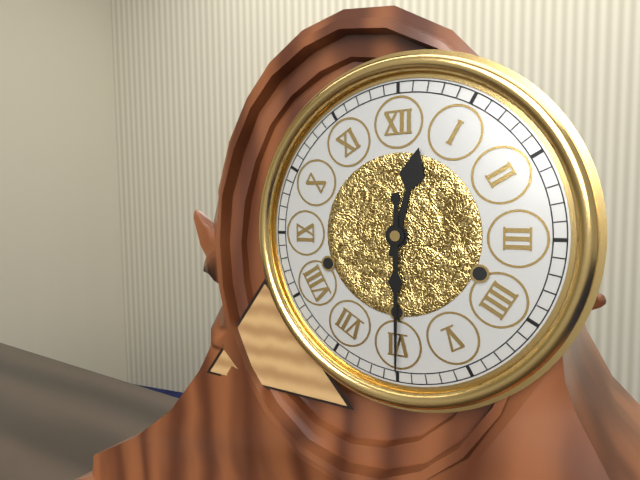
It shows 12 h 30 min
